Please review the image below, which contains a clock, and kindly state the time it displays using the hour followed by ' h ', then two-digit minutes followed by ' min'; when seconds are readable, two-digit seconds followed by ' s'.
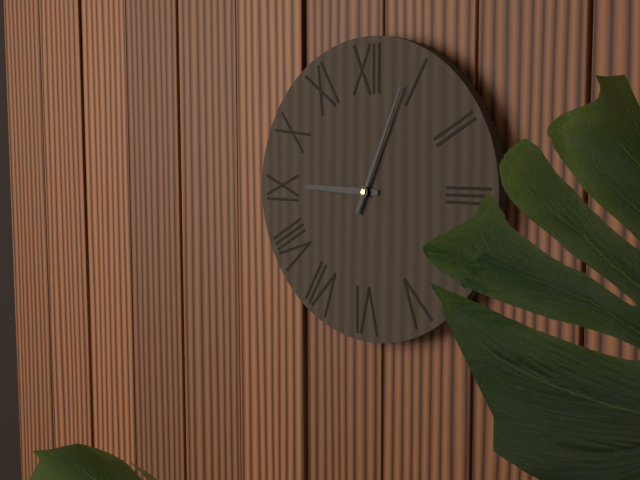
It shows 9 h 04 min
